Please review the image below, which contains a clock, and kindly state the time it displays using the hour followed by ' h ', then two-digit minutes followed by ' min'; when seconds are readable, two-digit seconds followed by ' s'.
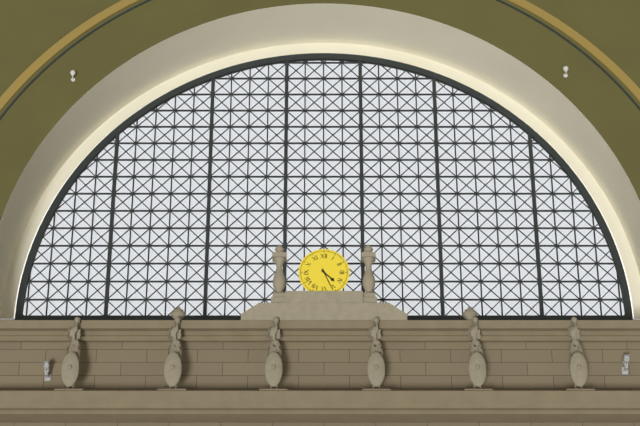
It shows 4 h 26 min
